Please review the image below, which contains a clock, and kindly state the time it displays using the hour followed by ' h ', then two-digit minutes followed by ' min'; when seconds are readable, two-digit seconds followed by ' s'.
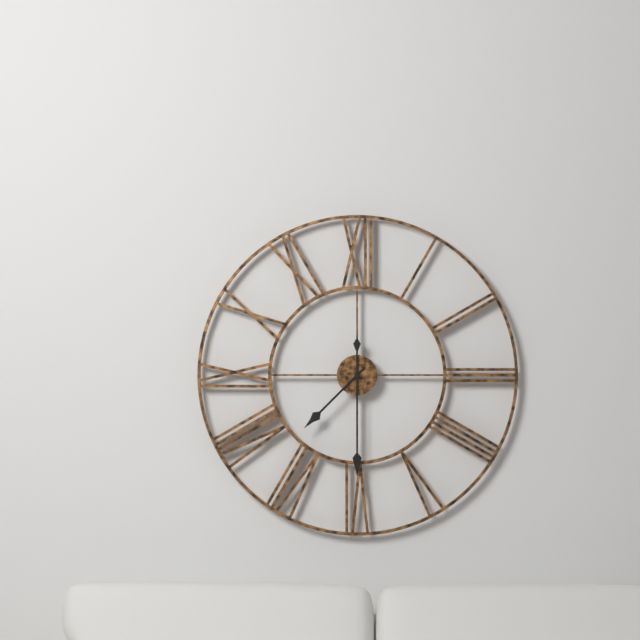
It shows 7 h 30 min
